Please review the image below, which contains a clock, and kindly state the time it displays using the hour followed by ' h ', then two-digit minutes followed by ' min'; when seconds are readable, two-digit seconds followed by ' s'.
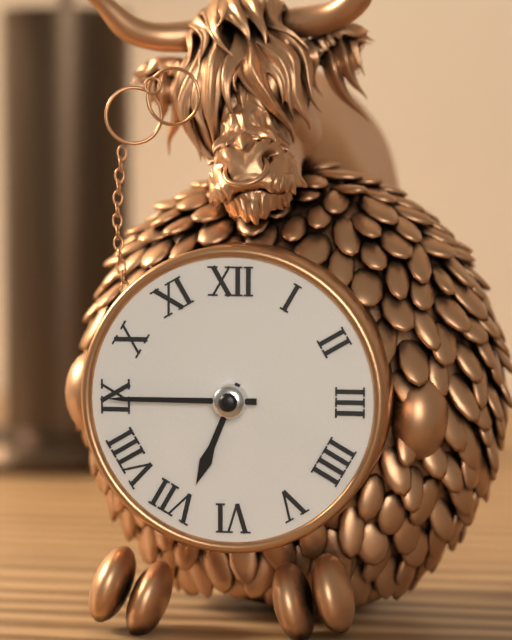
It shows 6 h 45 min
